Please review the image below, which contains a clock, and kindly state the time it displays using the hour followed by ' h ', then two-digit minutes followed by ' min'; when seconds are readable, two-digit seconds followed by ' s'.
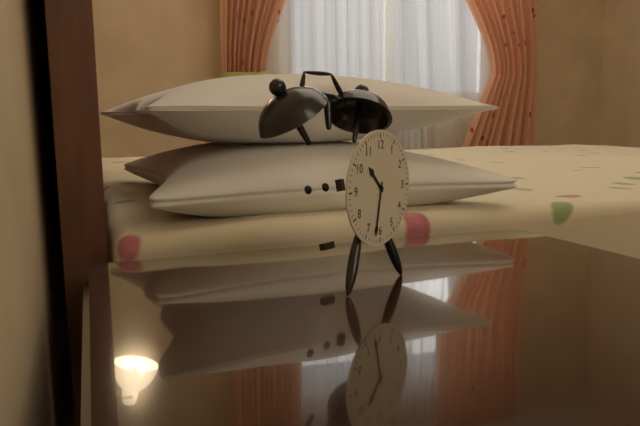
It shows 10 h 32 min
